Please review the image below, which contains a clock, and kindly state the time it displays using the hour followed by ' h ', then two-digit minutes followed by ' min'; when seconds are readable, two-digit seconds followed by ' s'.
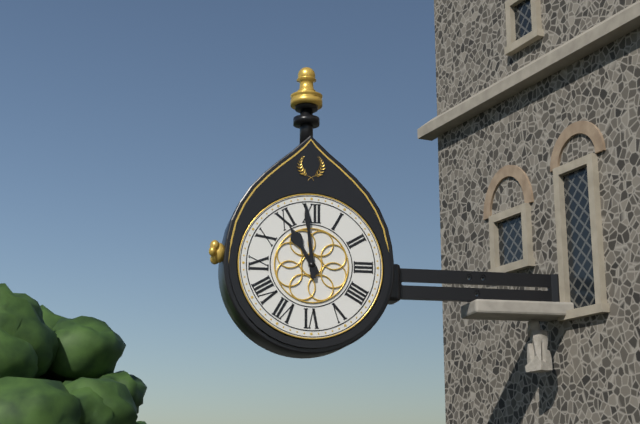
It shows 10 h 59 min
